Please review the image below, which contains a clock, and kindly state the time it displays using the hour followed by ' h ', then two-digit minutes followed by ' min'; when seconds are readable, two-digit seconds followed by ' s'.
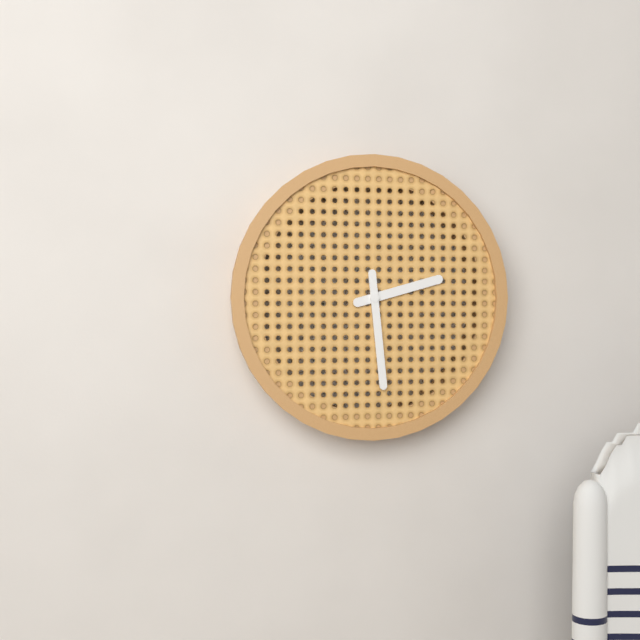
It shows 2 h 29 min
